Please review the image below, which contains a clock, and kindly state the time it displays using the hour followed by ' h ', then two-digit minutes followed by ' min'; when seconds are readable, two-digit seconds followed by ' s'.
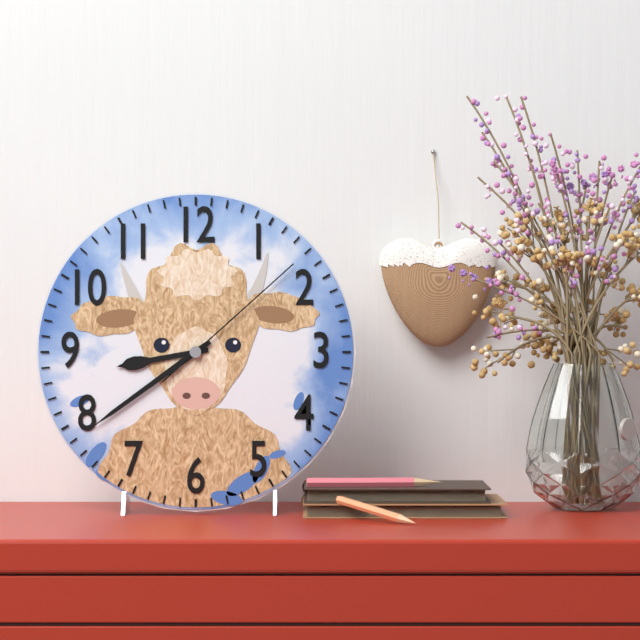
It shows 8 h 39 min 08 s
